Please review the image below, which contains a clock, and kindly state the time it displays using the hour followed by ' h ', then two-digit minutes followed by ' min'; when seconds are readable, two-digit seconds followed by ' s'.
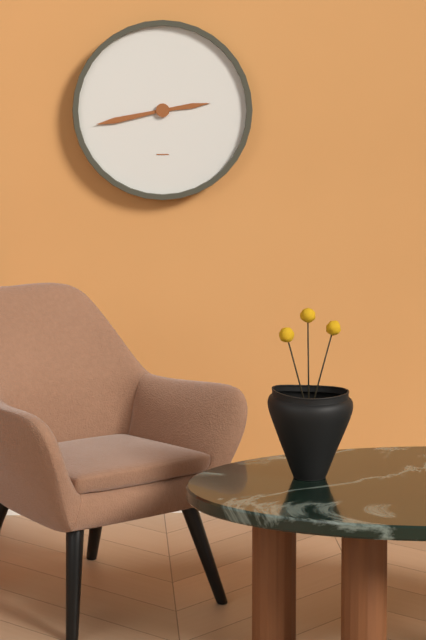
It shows 2 h 43 min
